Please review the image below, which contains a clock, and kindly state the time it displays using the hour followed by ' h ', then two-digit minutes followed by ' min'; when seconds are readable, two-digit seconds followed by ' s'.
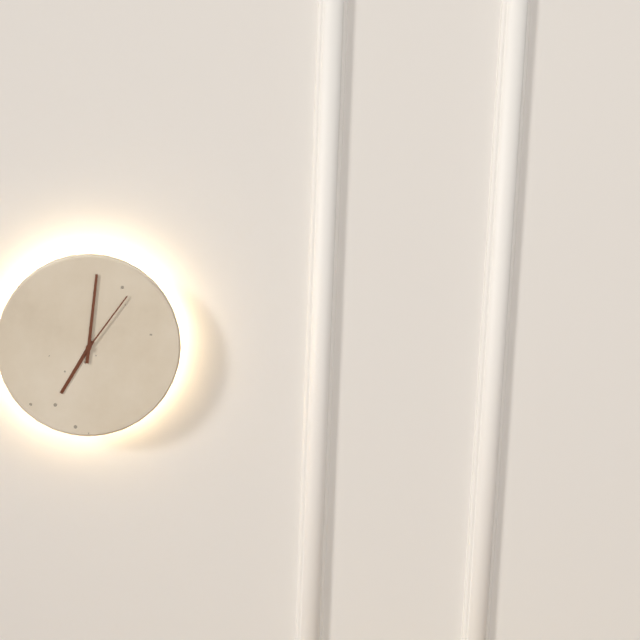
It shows 7 h 01 min 06 s
